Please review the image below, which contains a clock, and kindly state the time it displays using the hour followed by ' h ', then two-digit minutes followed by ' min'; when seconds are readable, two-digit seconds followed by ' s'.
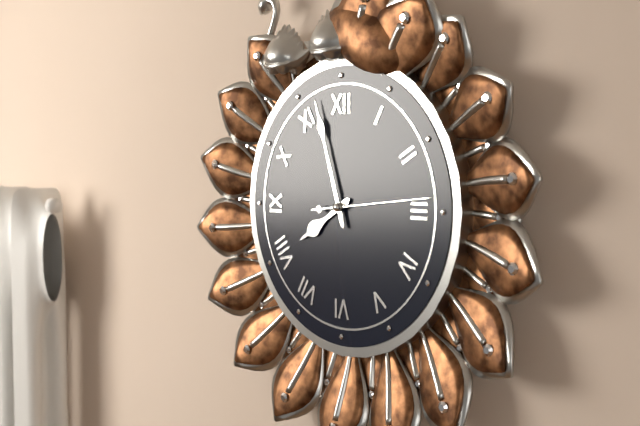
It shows 7 h 57 min 14 s
